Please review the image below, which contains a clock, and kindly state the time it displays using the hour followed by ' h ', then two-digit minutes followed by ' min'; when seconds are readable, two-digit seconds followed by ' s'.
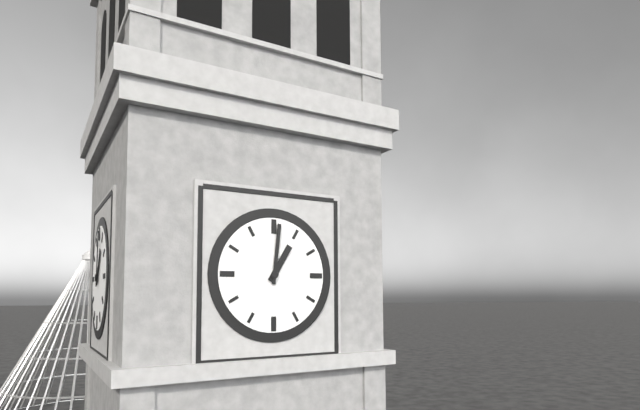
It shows 1 h 01 min
